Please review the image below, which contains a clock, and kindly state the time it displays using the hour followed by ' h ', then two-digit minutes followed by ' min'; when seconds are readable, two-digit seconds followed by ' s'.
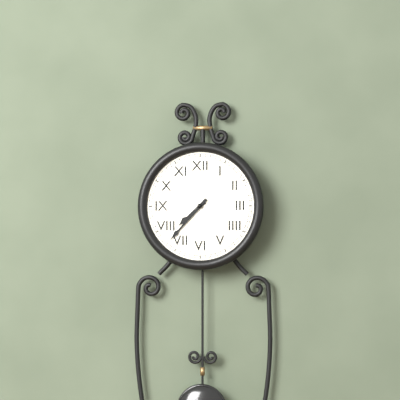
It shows 7 h 37 min
